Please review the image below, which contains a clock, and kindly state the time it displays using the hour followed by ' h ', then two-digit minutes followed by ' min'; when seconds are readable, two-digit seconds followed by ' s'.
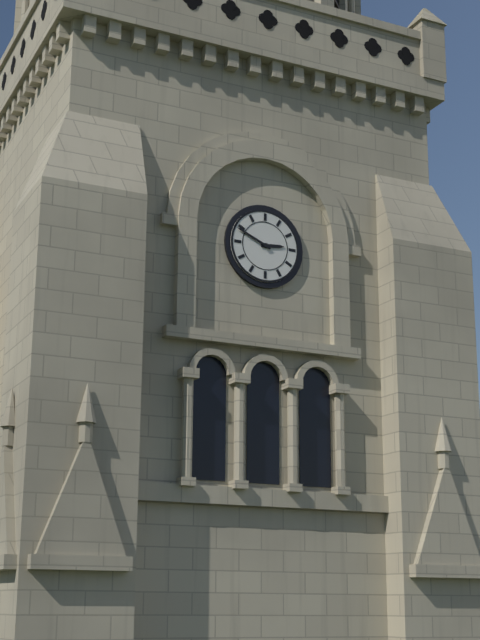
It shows 2 h 49 min
